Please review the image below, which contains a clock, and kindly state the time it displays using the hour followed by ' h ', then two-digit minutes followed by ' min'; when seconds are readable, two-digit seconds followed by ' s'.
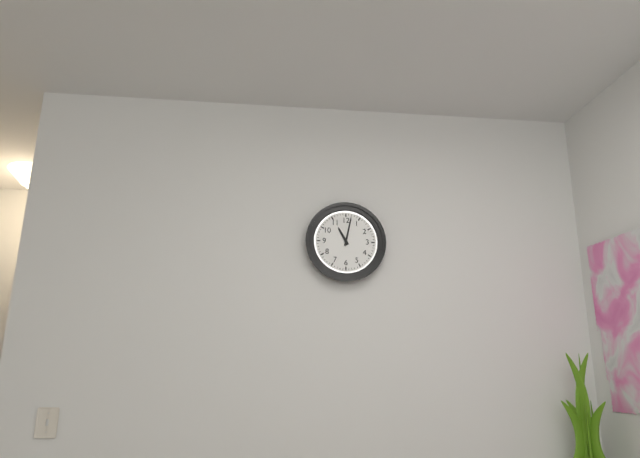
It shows 11 h 02 min
